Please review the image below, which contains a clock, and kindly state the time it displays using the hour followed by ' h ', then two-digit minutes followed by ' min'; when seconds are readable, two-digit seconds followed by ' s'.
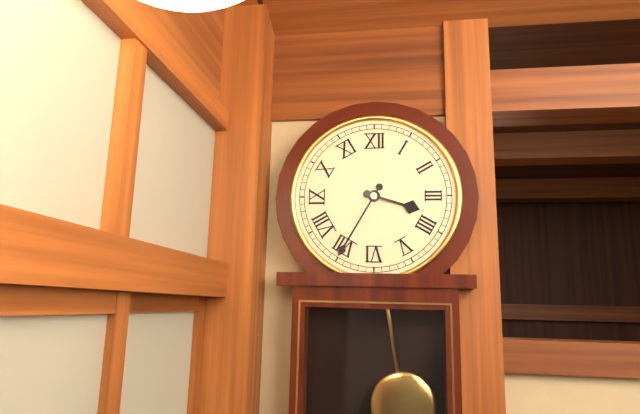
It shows 3 h 35 min
